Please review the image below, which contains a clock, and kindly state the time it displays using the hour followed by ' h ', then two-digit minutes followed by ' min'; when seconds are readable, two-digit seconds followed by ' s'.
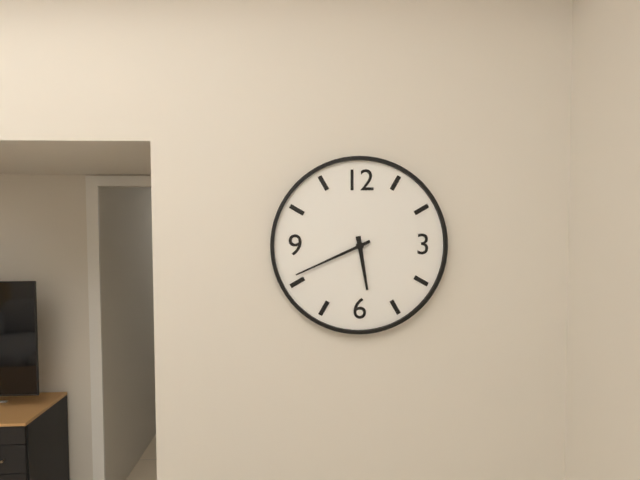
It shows 5 h 41 min
